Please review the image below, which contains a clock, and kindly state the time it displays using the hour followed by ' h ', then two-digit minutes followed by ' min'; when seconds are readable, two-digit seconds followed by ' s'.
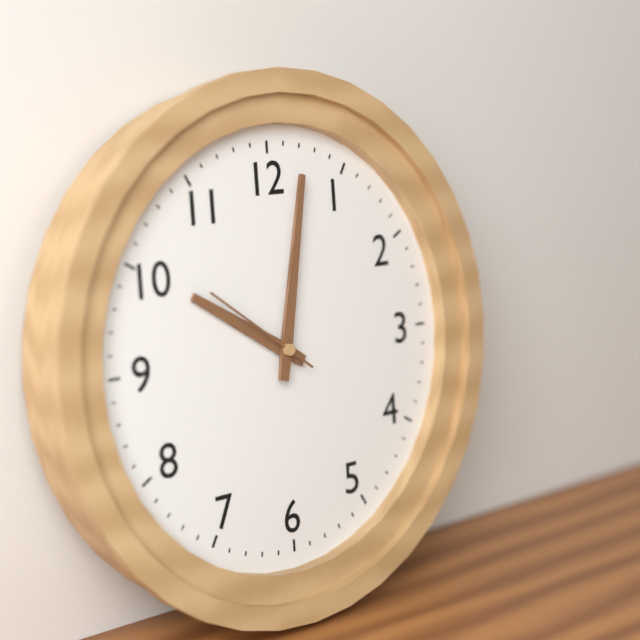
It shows 10 h 02 min 51 s
